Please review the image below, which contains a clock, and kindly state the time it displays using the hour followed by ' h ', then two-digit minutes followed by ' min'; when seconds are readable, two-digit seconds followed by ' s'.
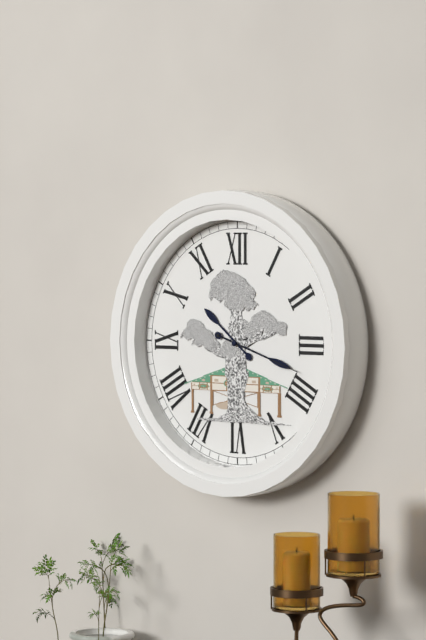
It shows 10 h 18 min 18 s
